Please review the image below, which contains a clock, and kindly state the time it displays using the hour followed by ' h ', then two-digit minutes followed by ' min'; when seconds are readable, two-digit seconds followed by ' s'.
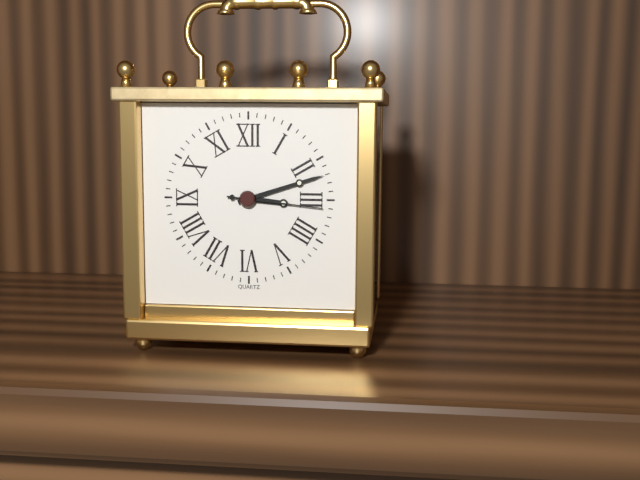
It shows 3 h 12 min 16 s
